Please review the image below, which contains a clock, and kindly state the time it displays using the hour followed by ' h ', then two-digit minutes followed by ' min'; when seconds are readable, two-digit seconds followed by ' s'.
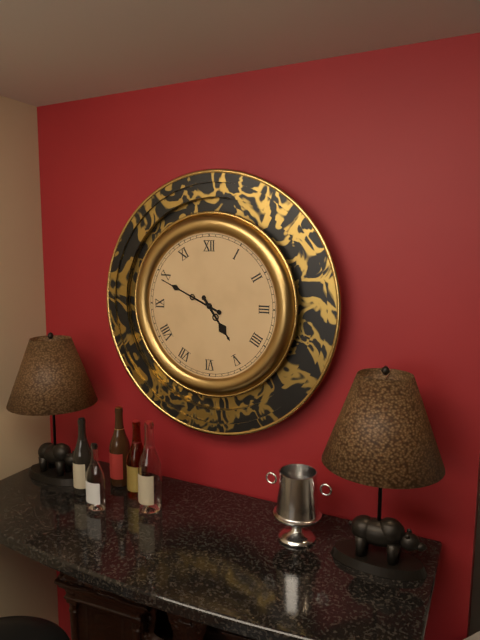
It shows 4 h 49 min
